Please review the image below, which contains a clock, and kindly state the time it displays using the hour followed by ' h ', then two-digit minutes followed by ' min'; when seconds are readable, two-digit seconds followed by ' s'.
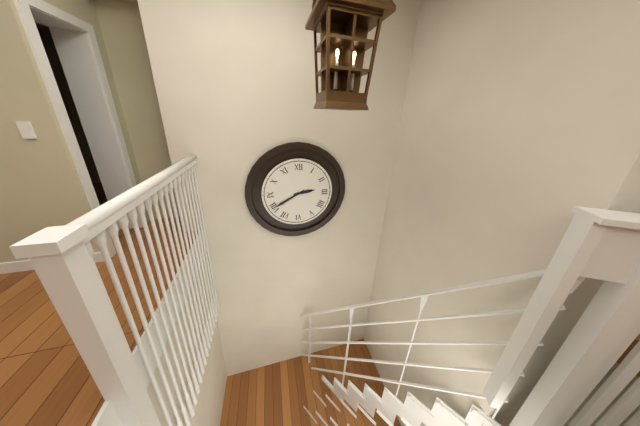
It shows 2 h 40 min
